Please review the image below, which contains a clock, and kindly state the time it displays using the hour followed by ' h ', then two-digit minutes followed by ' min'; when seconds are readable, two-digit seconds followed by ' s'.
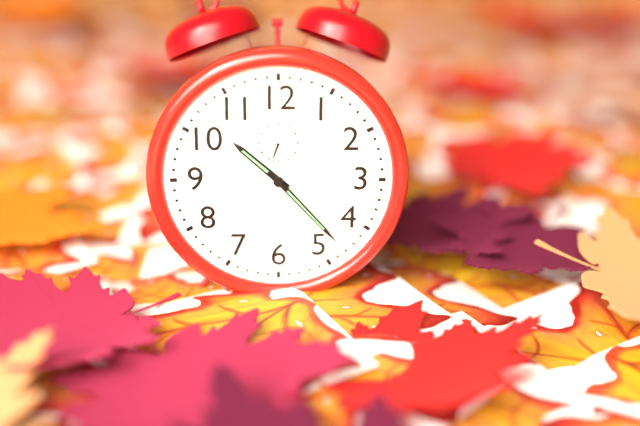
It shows 10 h 23 min
